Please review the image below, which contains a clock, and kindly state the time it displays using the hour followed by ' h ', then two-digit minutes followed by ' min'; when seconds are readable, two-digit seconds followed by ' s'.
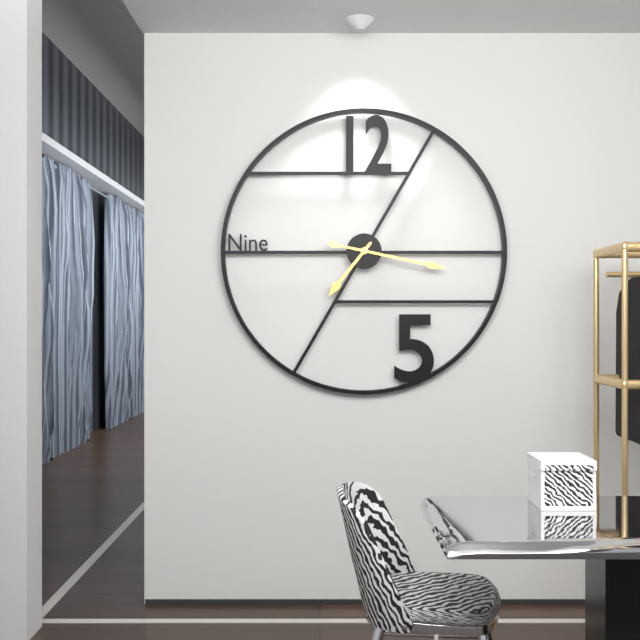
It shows 7 h 17 min
